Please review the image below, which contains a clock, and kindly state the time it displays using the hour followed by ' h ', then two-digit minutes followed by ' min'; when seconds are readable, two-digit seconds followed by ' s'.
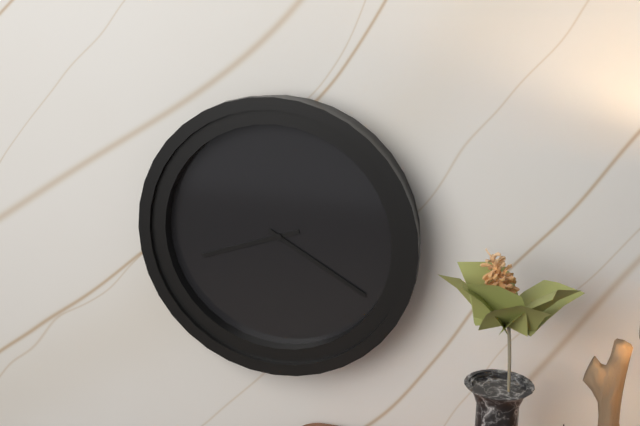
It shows 8 h 20 min
